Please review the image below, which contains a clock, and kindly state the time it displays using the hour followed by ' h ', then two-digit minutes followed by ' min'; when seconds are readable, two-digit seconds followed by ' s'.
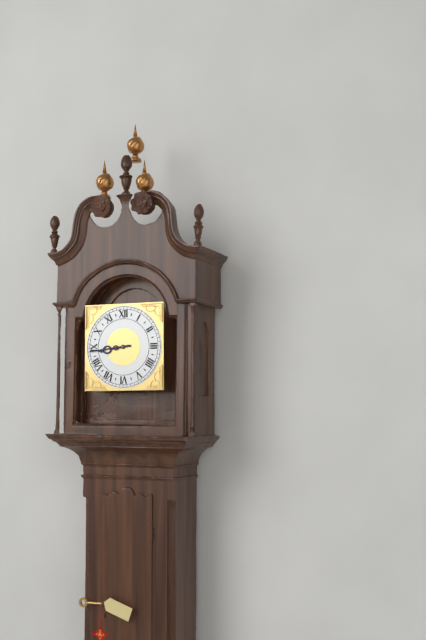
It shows 8 h 44 min
